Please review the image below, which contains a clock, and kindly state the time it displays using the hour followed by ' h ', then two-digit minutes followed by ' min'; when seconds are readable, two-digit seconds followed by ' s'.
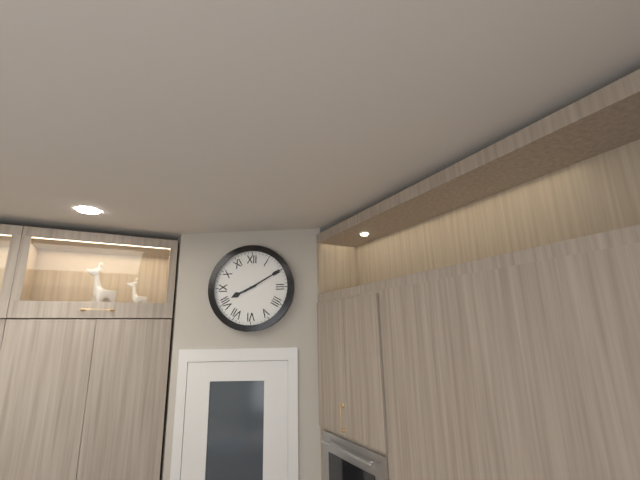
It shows 8 h 10 min
